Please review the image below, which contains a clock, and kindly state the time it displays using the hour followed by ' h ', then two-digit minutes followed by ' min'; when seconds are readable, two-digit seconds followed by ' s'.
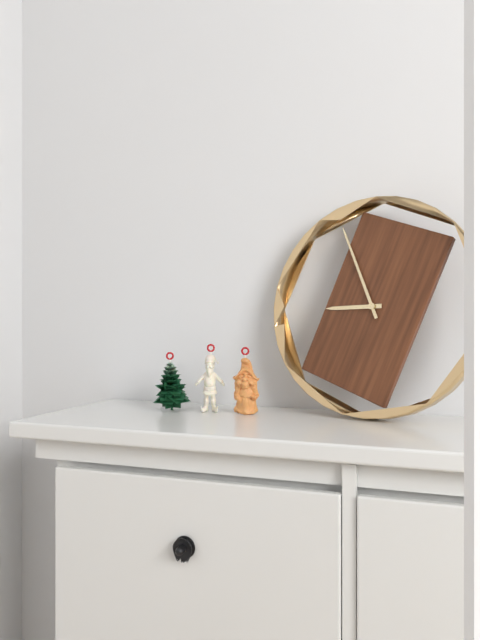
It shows 8 h 56 min
